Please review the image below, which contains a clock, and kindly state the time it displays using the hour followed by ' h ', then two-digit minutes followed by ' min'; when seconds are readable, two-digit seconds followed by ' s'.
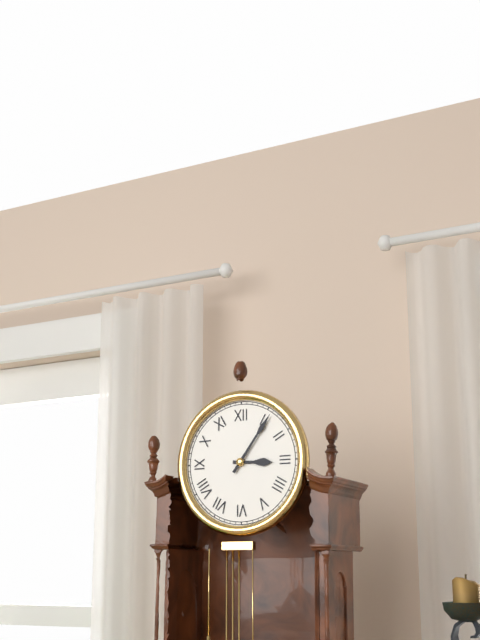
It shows 3 h 06 min
